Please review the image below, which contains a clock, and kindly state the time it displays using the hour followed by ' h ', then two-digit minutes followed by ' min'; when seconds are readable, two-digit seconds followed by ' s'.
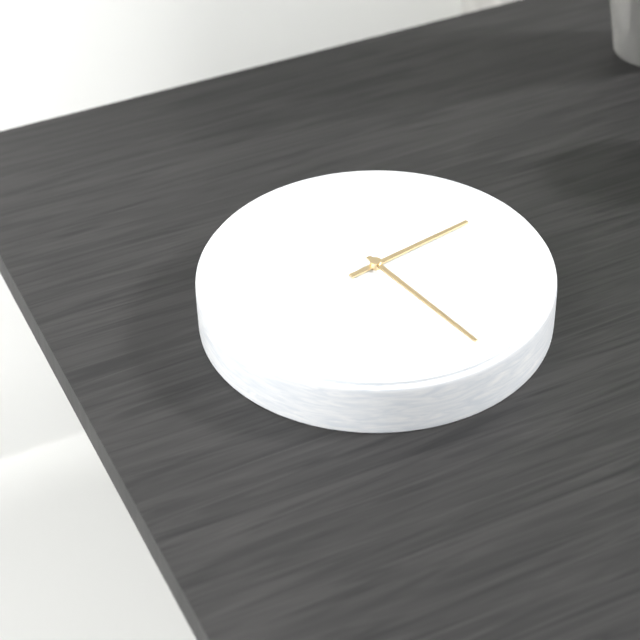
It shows 1 h 22 min
